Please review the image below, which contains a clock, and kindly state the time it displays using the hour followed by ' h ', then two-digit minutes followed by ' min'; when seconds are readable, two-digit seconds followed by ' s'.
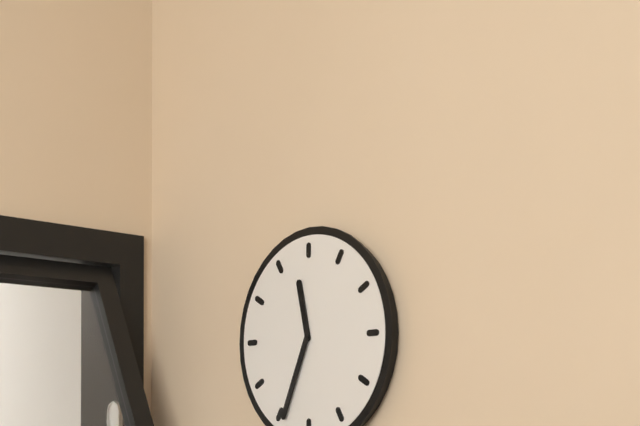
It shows 11 h 34 min
